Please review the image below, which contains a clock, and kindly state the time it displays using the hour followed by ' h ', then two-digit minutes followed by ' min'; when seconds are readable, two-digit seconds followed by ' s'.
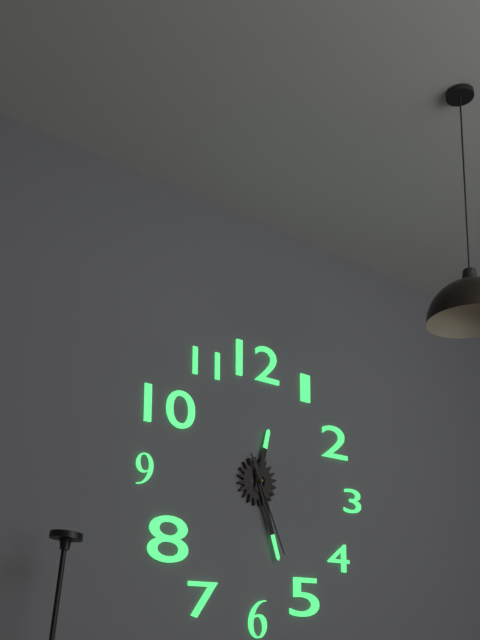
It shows 12 h 27 min 26 s
